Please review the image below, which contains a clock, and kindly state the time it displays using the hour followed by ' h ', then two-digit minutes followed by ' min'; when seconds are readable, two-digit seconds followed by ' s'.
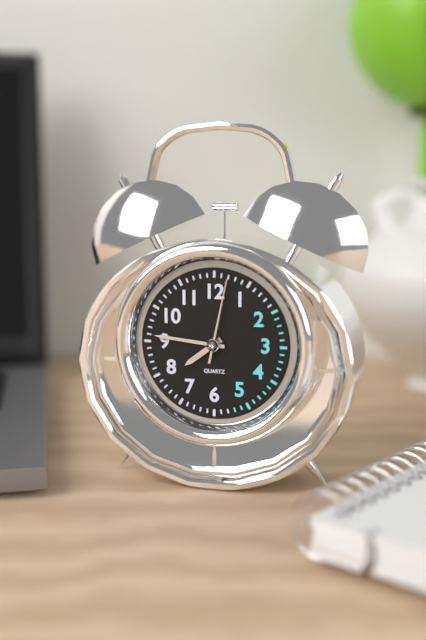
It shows 7 h 46 min 02 s
